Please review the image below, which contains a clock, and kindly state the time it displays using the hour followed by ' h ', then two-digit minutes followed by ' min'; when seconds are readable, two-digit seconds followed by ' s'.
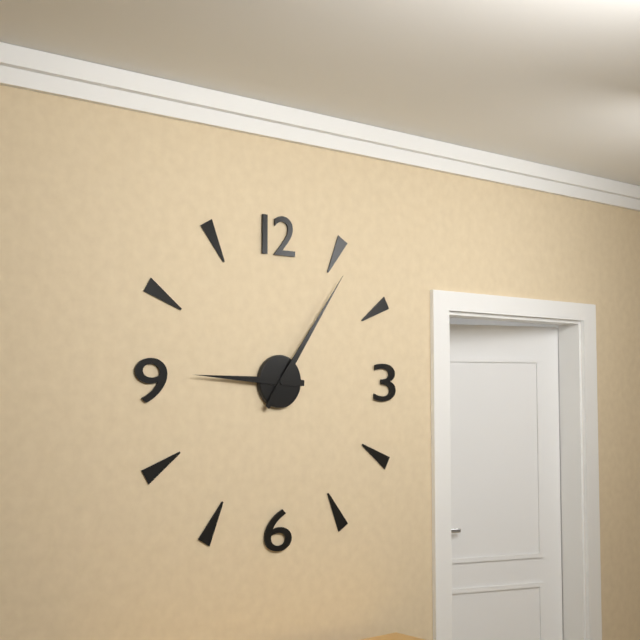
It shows 9 h 06 min
